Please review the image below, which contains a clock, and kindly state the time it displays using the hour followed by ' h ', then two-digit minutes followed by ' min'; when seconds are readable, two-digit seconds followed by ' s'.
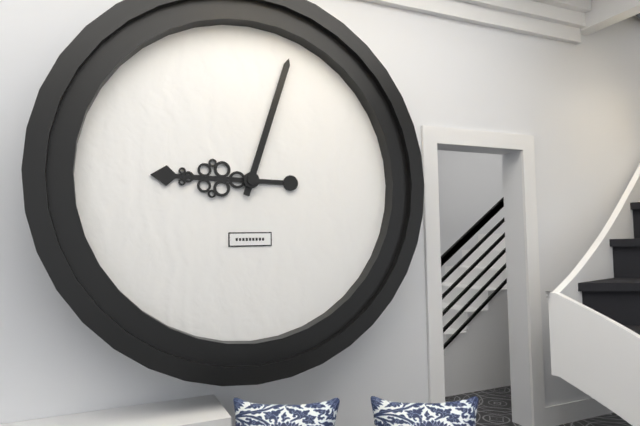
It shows 9 h 03 min
